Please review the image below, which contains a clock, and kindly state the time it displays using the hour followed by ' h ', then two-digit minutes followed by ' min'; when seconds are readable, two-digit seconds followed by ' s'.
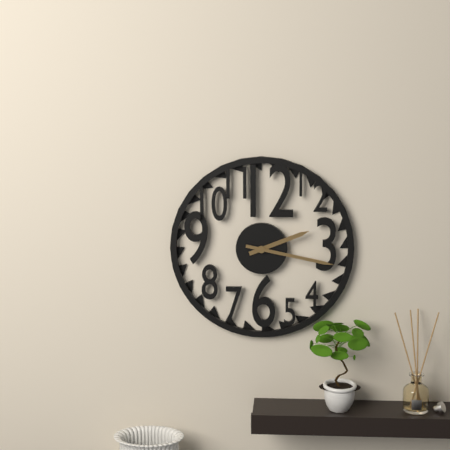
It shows 2 h 17 min
